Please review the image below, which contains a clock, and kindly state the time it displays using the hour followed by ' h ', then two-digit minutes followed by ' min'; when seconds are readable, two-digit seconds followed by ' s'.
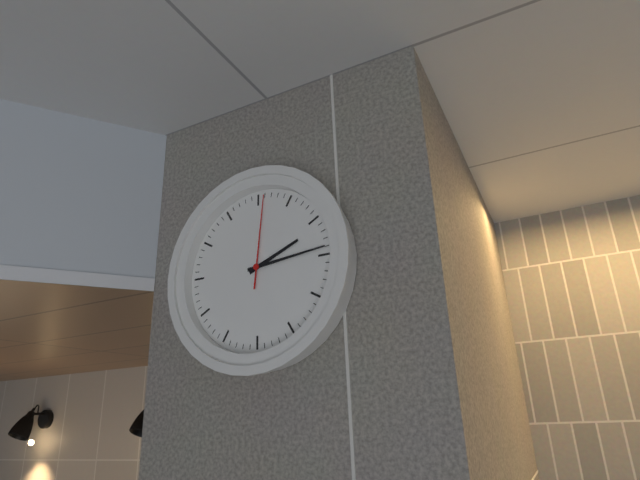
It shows 2 h 14 min 01 s
